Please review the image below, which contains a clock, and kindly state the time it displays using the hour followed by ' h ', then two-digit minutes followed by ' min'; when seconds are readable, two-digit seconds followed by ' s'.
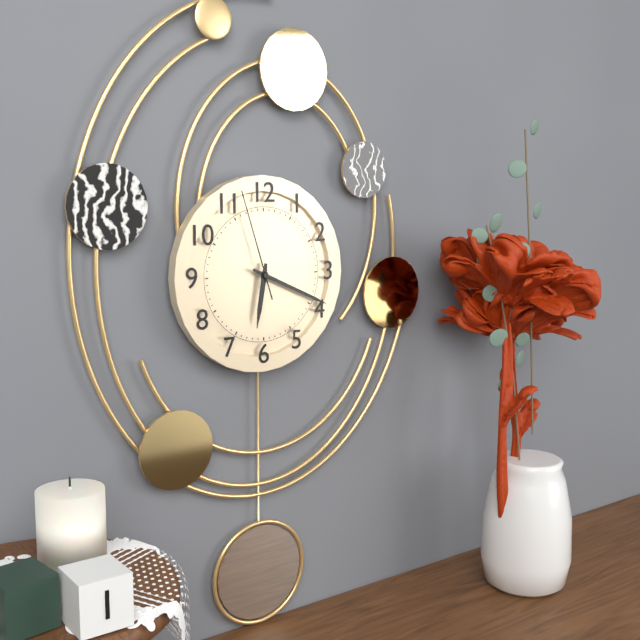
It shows 6 h 19 min 57 s
